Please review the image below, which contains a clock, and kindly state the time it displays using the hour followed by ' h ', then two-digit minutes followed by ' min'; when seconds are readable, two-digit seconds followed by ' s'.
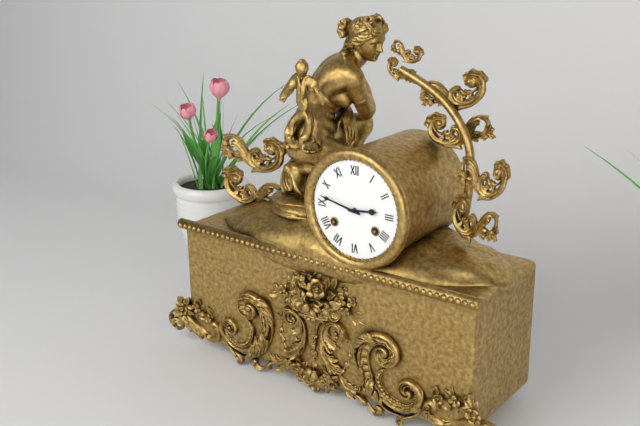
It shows 2 h 47 min
